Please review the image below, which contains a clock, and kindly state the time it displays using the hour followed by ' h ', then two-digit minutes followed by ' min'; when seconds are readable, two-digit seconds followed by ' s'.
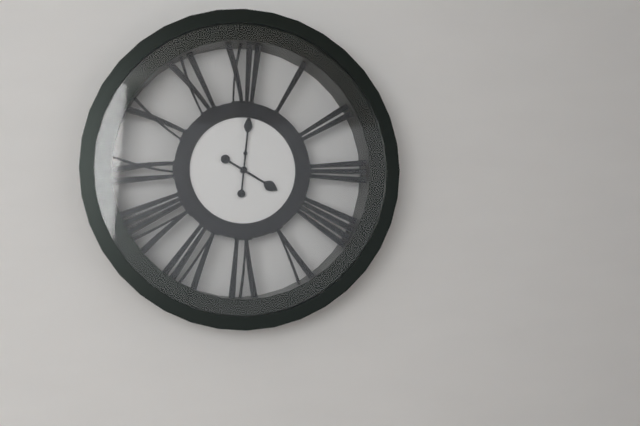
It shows 4 h 01 min
